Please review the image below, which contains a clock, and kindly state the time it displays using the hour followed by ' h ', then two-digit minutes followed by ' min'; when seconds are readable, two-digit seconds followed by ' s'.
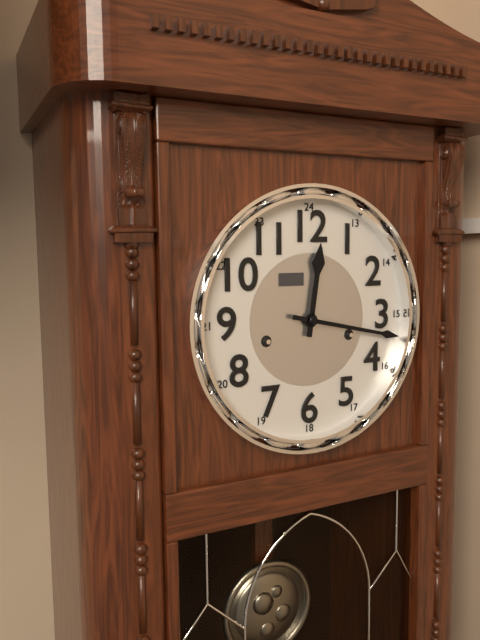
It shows 12 h 17 min
